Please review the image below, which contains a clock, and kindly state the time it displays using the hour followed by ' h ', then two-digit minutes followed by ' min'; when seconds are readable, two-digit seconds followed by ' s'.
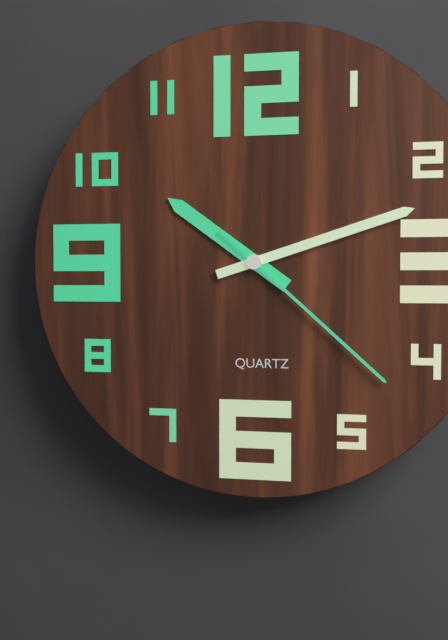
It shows 10 h 12 min 22 s
